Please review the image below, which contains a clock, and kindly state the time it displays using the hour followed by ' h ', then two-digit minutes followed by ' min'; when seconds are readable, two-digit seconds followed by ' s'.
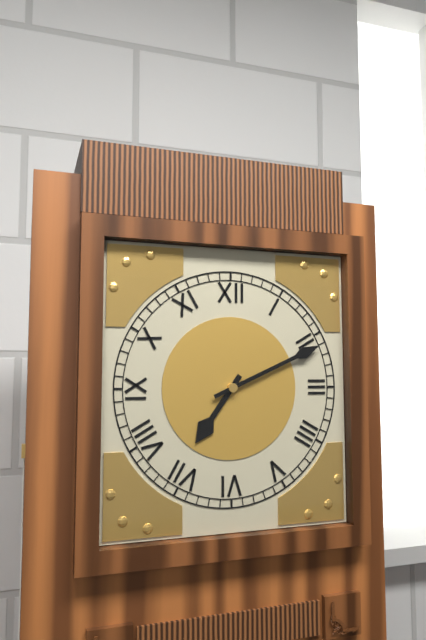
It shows 7 h 11 min
